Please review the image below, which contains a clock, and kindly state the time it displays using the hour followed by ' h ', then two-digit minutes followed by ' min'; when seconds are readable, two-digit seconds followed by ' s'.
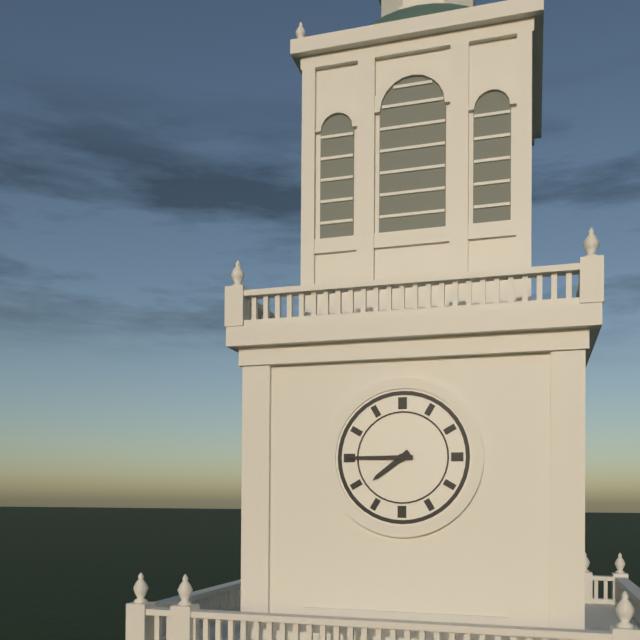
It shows 7 h 45 min
